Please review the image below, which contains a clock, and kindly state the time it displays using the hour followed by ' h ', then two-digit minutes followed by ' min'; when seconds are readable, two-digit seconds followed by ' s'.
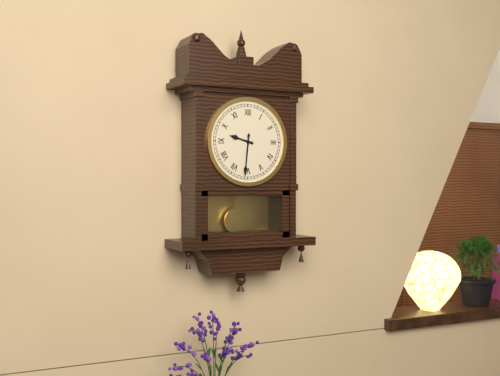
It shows 9 h 31 min
